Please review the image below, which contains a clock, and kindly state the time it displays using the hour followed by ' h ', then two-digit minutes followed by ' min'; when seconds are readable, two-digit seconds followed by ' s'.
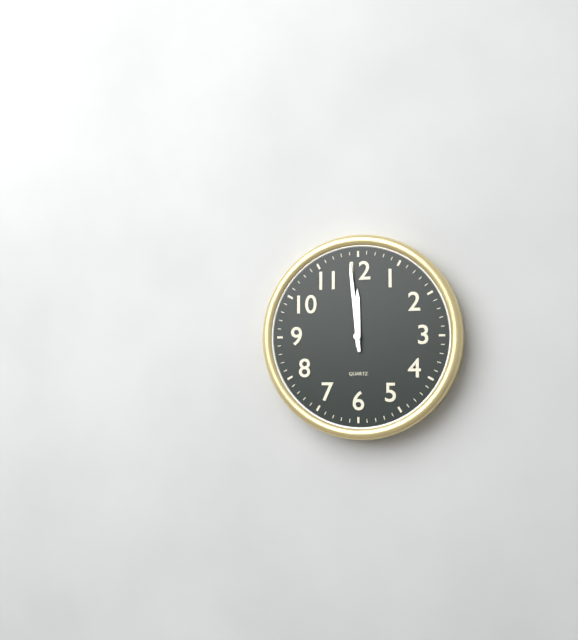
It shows 11 h 59 min
